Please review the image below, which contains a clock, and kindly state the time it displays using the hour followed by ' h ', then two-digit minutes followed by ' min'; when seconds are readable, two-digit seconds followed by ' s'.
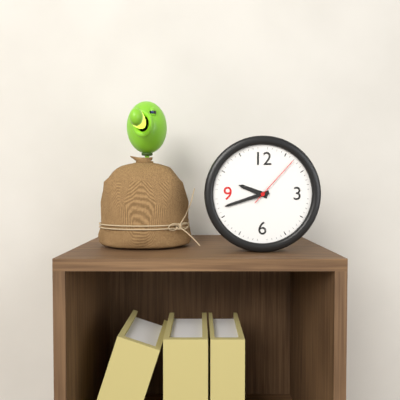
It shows 9 h 42 min 07 s
